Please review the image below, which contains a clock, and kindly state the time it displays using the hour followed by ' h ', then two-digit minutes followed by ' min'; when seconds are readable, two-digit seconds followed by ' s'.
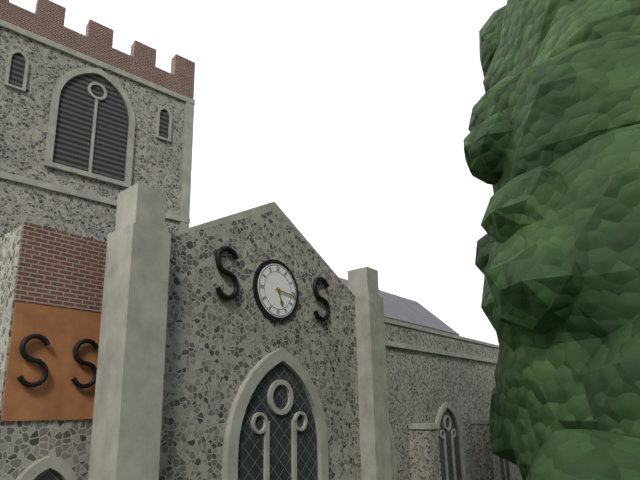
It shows 5 h 16 min
